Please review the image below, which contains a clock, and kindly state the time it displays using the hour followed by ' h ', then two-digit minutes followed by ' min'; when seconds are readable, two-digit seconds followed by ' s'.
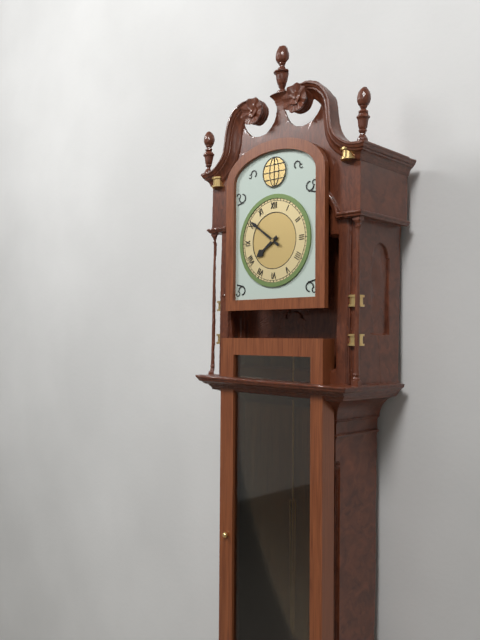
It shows 7 h 51 min
